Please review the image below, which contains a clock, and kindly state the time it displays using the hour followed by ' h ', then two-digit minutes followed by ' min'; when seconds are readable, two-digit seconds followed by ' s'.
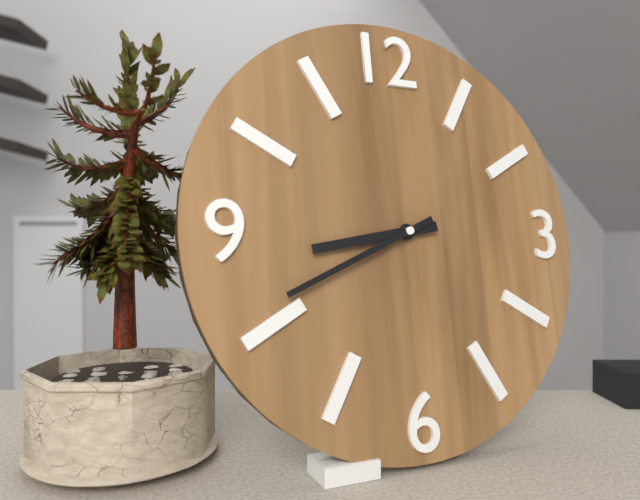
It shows 8 h 41 min
